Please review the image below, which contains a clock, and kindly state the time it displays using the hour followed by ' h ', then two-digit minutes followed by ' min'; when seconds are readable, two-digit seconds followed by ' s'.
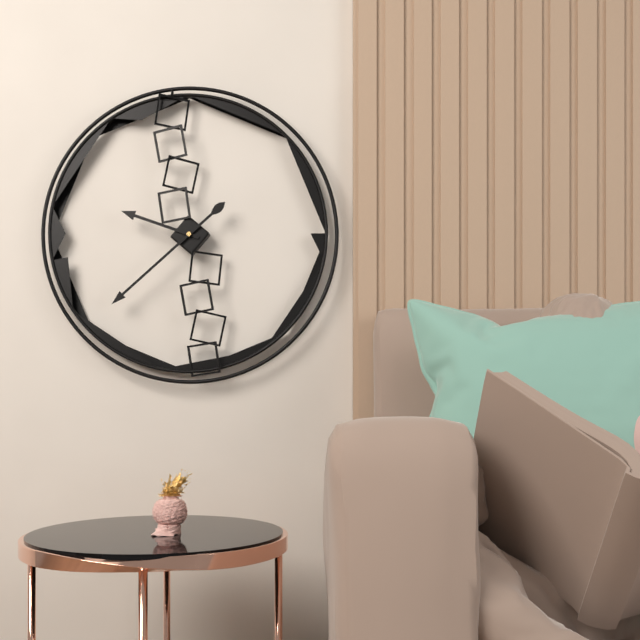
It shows 9 h 38 min
